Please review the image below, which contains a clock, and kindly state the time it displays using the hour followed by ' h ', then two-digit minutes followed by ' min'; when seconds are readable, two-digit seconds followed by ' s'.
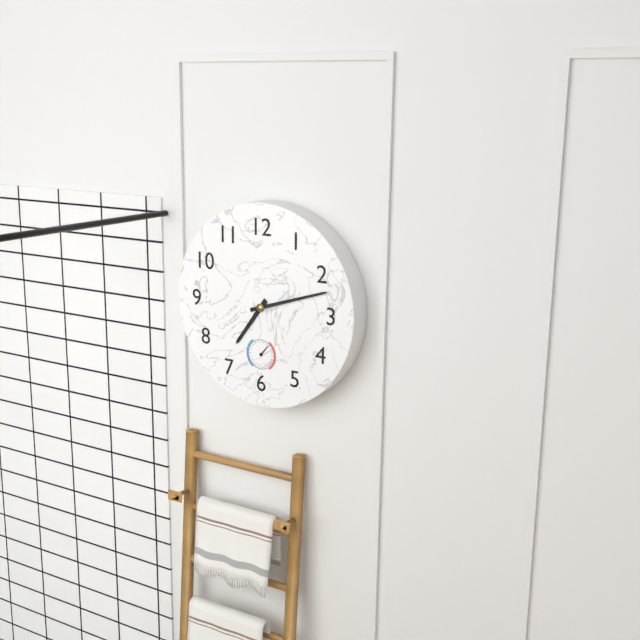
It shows 7 h 12 min
